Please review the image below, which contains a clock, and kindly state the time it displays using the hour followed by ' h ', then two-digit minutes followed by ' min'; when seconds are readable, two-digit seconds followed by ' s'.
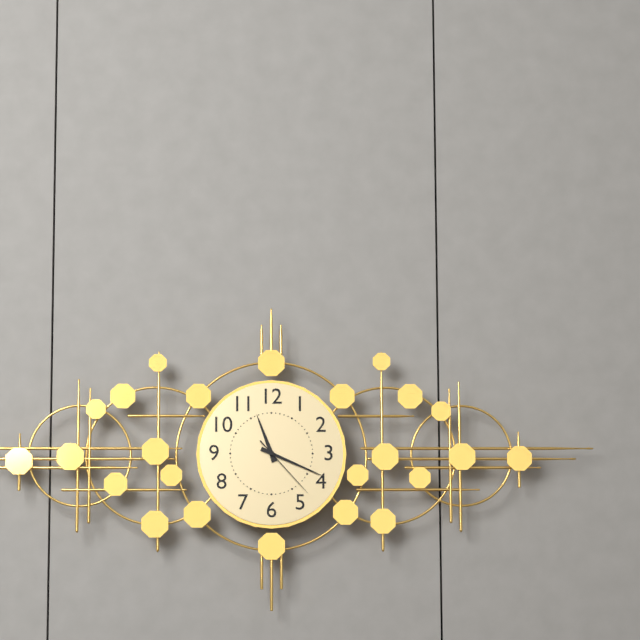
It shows 11 h 19 min 23 s
